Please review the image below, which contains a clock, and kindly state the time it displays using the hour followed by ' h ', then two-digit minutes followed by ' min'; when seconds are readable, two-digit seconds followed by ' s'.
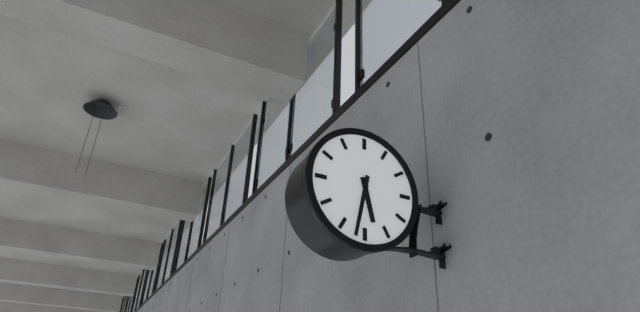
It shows 5 h 32 min
